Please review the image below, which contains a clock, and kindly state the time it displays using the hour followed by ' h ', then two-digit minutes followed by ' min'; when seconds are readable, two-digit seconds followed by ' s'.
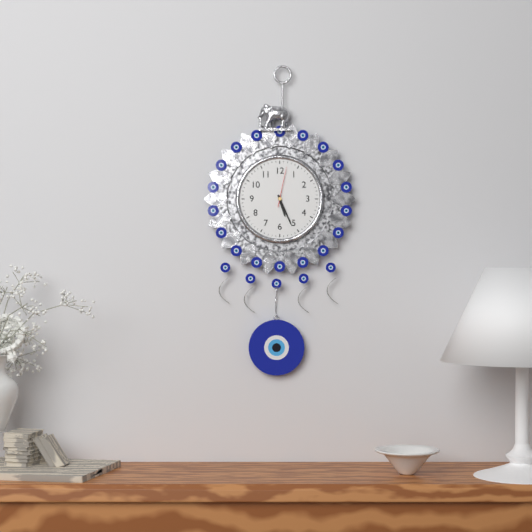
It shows 5 h 26 min
